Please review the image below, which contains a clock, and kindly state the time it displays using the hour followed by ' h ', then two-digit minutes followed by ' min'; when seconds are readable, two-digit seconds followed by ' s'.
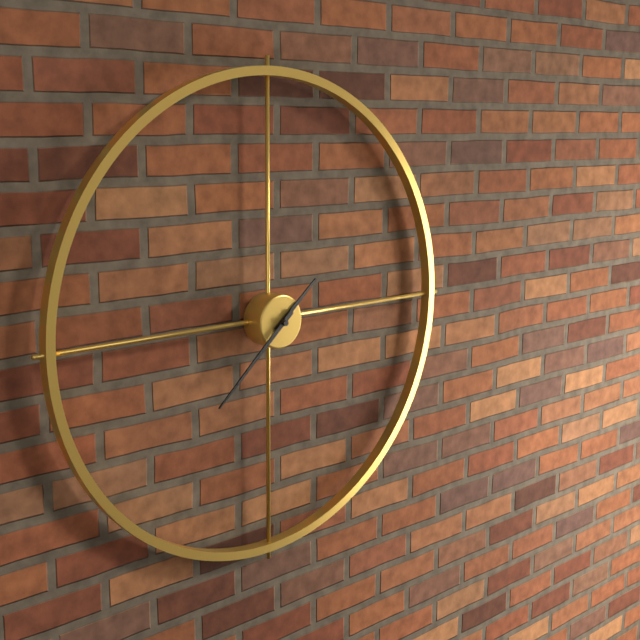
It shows 1 h 38 min
